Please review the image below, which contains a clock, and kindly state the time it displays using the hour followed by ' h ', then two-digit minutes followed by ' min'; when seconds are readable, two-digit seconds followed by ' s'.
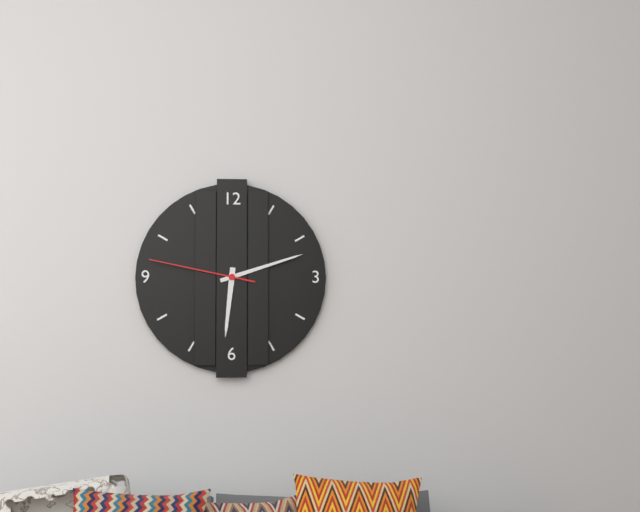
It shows 6 h 12 min 47 s
